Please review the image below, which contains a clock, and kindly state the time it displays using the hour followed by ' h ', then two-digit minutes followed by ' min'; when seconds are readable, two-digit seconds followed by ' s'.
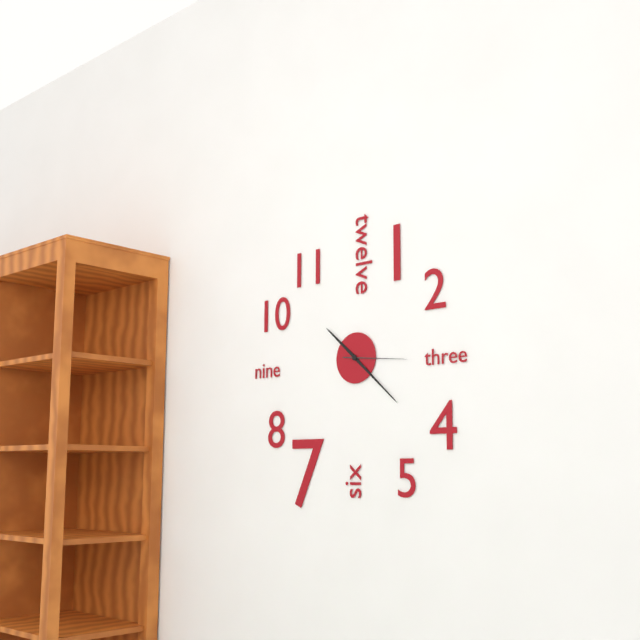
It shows 10 h 22 min 16 s
